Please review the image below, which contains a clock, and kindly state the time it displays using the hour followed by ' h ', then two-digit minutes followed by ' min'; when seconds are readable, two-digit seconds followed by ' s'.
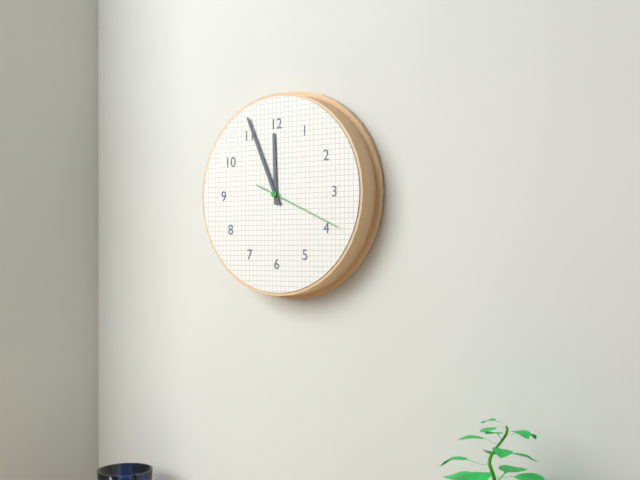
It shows 11 h 56 min 19 s
